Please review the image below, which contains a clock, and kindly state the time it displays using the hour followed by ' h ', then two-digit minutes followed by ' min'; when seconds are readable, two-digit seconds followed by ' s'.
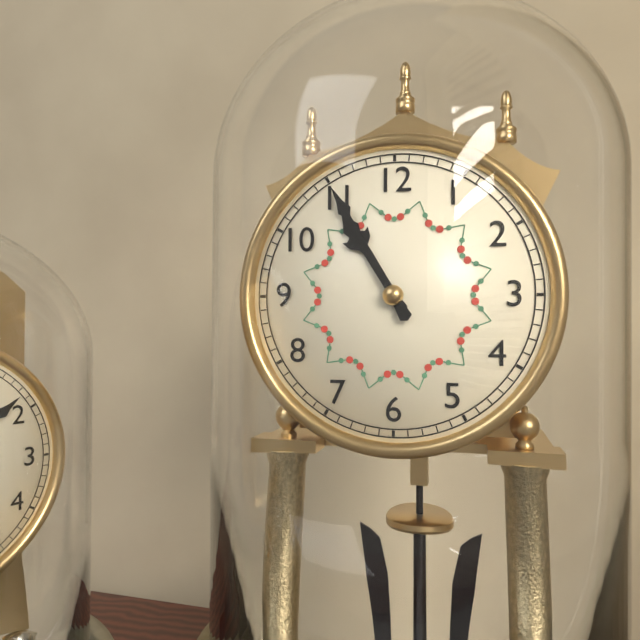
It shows 10 h 55 min
